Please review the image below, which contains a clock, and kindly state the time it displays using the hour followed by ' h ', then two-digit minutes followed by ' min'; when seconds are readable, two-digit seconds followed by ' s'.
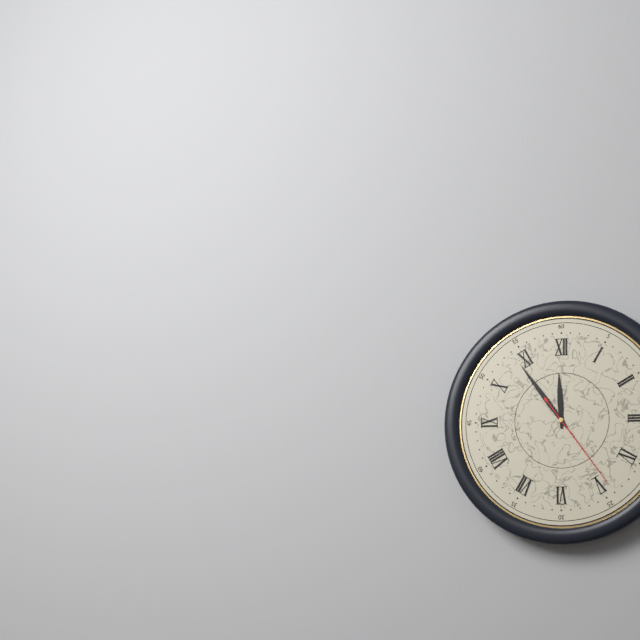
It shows 11 h 54 min 24 s
